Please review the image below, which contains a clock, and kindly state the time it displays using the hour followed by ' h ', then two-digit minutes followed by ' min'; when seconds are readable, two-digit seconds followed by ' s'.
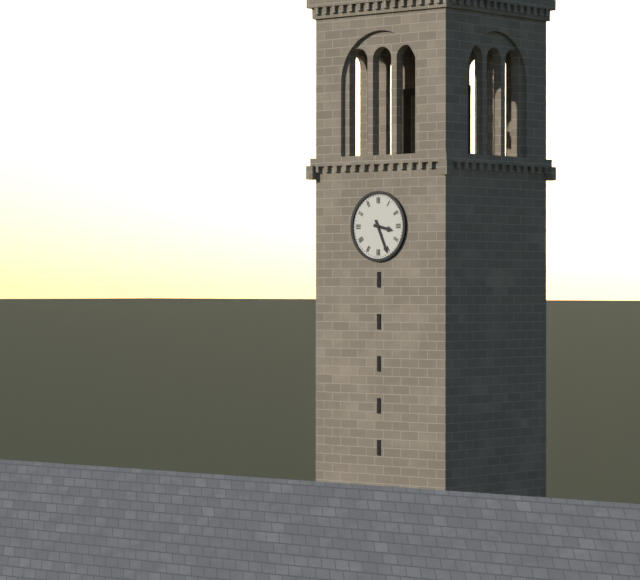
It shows 3 h 26 min
